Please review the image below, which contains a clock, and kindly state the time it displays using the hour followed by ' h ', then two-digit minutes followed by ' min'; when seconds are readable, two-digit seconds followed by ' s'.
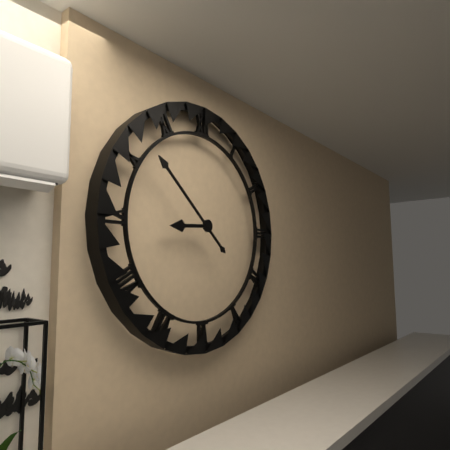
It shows 8 h 52 min
